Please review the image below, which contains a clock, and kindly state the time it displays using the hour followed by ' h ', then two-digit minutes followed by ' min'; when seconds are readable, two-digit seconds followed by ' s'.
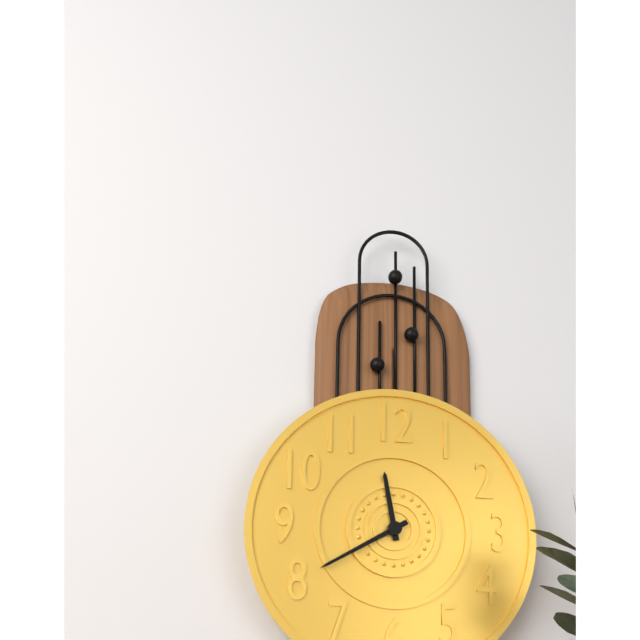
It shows 11 h 40 min
